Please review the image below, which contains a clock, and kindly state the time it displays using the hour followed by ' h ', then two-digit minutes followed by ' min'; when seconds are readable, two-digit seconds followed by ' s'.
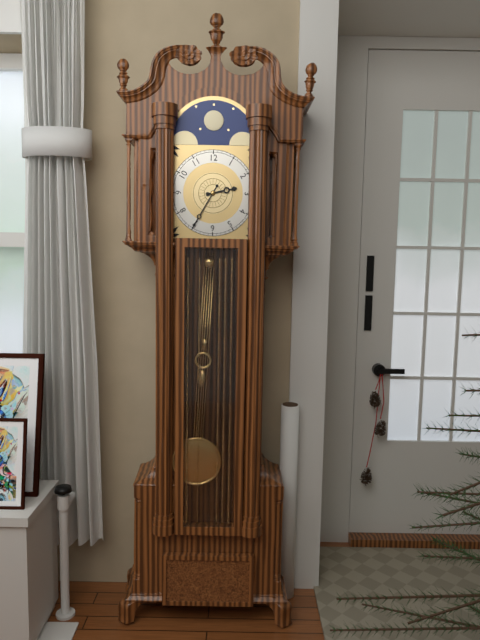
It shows 2 h 35 min
